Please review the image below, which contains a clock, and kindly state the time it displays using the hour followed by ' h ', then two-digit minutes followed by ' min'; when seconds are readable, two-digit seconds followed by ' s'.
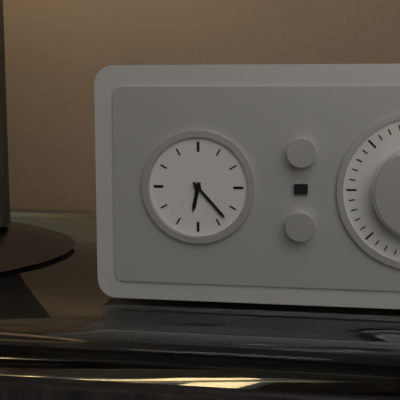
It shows 6 h 23 min
